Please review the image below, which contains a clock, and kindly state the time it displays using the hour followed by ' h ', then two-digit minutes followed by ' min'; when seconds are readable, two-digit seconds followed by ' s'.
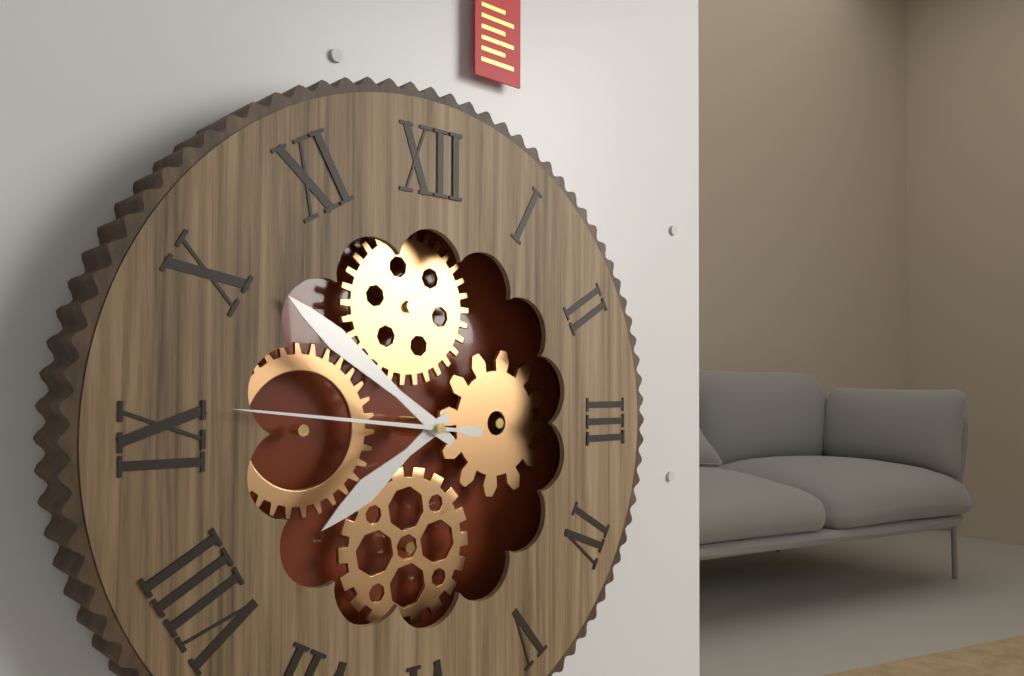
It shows 7 h 51 min 46 s
